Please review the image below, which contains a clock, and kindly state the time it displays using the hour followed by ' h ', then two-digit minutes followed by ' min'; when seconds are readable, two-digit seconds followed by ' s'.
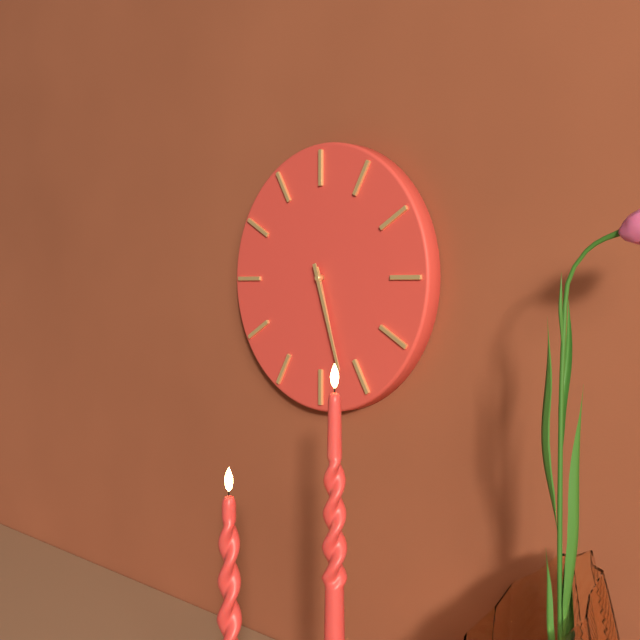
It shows 5 h 27 min
